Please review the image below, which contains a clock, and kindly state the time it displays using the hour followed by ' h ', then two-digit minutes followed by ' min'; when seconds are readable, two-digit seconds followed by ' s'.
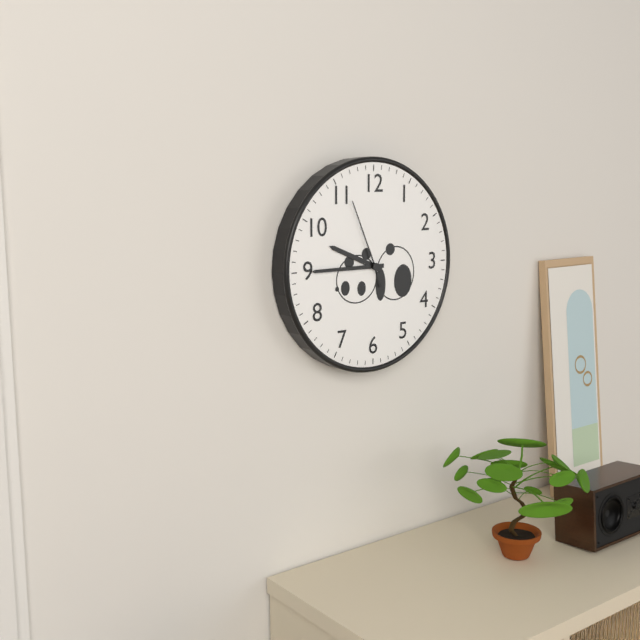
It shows 9 h 45 min 56 s
